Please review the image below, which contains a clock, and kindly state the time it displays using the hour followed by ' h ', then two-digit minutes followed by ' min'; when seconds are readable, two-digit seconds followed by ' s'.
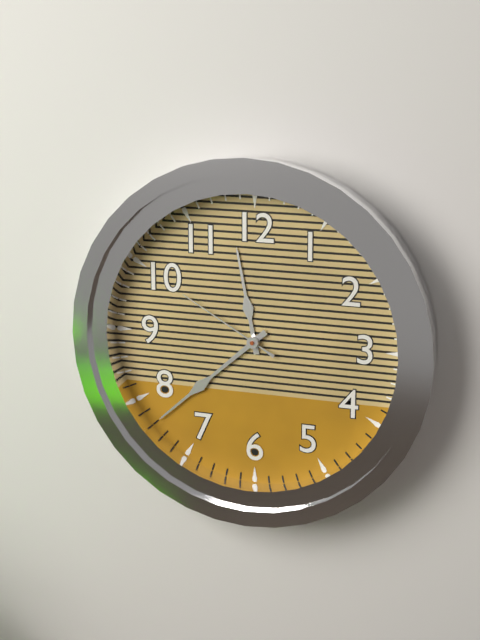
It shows 11 h 38 min 50 s
